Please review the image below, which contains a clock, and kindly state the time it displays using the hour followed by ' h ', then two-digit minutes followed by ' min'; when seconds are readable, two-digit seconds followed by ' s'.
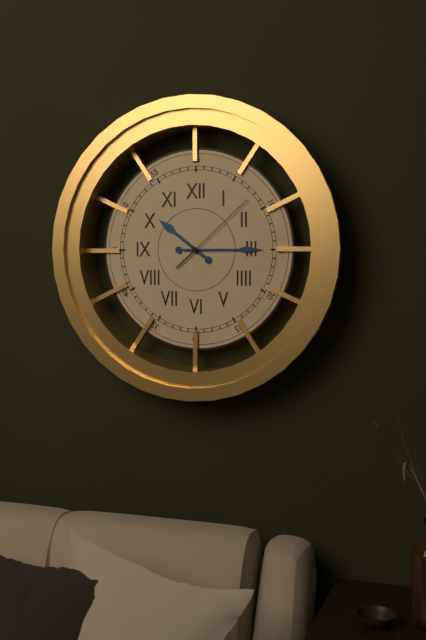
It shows 10 h 15 min 08 s
